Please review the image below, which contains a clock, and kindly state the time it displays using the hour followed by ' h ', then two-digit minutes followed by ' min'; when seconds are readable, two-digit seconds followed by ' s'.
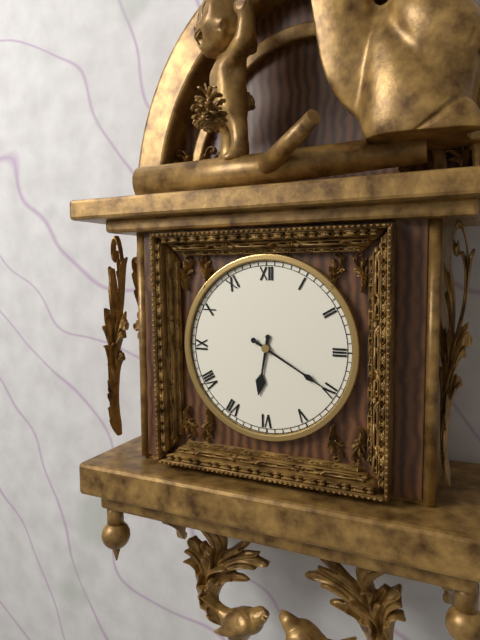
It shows 6 h 20 min
